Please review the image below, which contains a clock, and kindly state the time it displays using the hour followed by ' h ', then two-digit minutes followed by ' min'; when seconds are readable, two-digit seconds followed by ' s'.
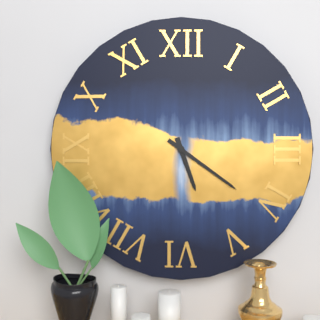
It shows 5 h 21 min
